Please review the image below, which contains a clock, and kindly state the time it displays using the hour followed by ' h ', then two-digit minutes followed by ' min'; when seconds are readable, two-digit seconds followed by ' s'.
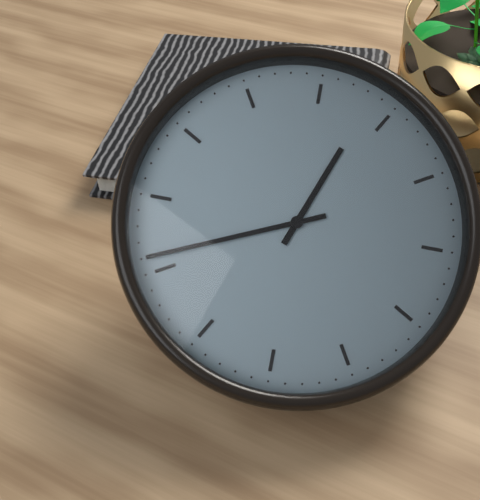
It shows 12 h 41 min
